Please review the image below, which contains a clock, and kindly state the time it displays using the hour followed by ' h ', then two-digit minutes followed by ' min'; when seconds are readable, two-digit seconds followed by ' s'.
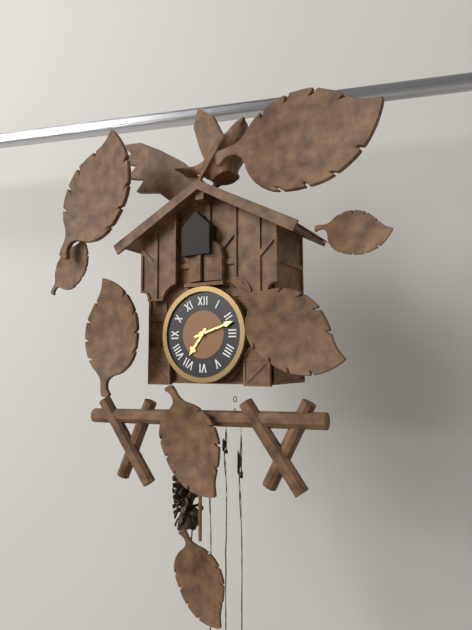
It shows 7 h 12 min
